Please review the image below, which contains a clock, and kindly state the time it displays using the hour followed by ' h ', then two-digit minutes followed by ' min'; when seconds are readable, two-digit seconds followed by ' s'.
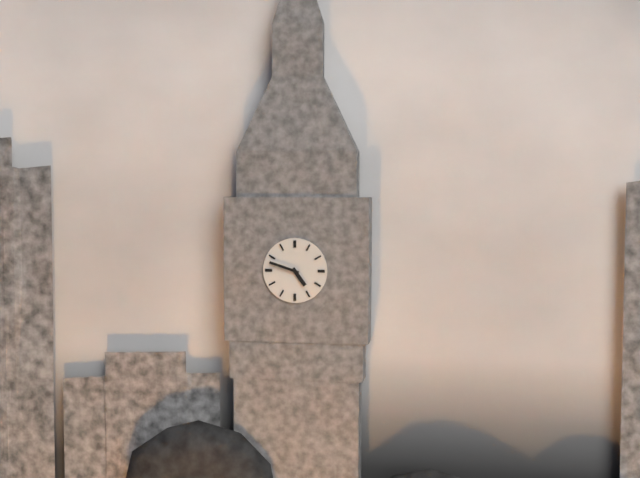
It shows 4 h 48 min
